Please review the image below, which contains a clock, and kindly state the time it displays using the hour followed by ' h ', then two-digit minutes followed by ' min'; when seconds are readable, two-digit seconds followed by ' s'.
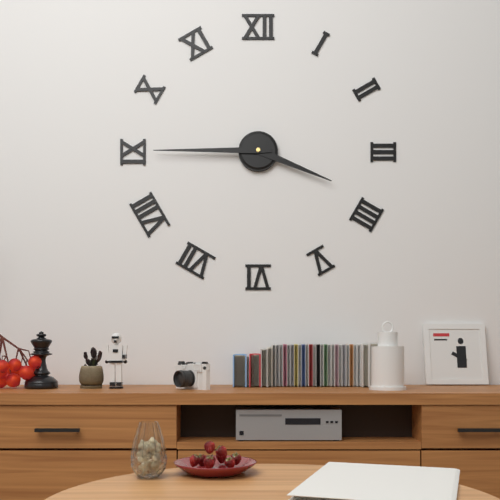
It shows 3 h 45 min
